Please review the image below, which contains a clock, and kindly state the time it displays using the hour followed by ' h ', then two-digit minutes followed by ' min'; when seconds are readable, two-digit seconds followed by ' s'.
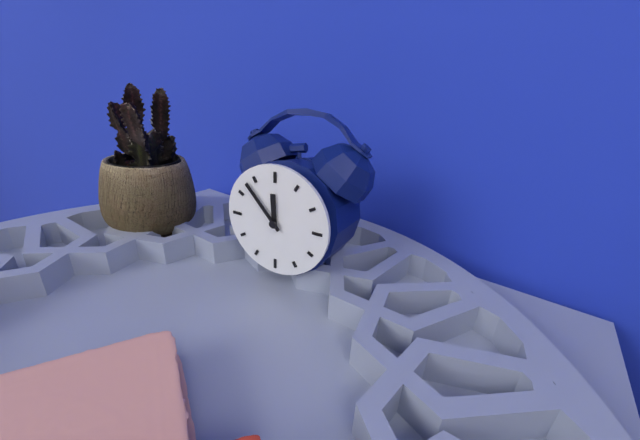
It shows 11 h 53 min
